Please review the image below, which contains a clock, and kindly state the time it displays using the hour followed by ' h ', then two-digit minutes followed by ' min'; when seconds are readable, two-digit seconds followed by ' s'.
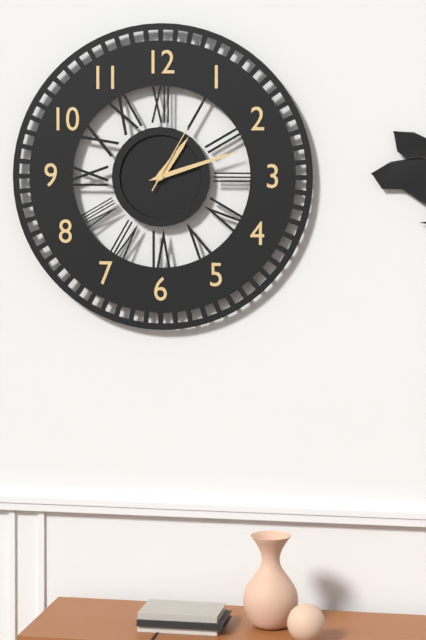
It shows 1 h 12 min 05 s
